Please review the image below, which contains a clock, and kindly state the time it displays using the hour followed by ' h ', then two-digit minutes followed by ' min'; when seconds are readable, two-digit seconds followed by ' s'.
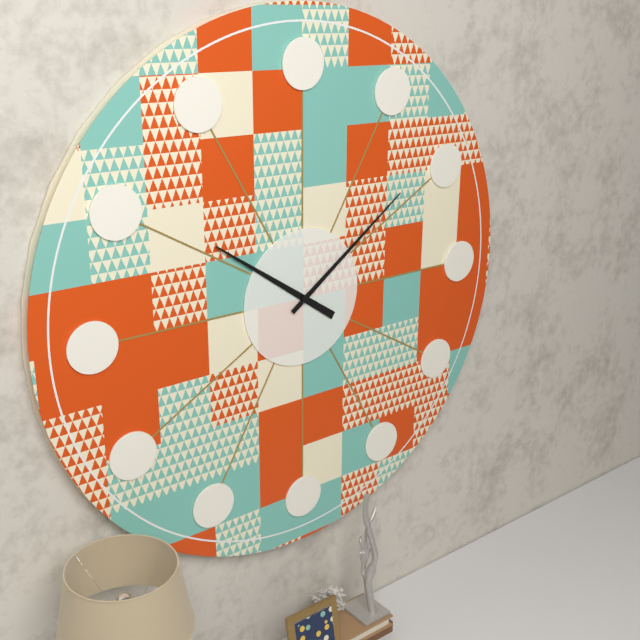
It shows 10 h 09 min
